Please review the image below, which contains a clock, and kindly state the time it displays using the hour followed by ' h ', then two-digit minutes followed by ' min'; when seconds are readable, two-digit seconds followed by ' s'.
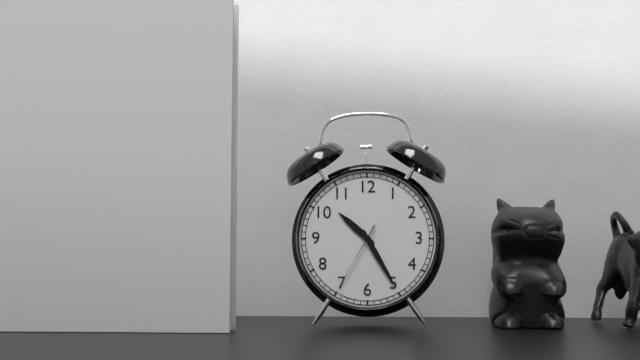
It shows 10 h 25 min 35 s
